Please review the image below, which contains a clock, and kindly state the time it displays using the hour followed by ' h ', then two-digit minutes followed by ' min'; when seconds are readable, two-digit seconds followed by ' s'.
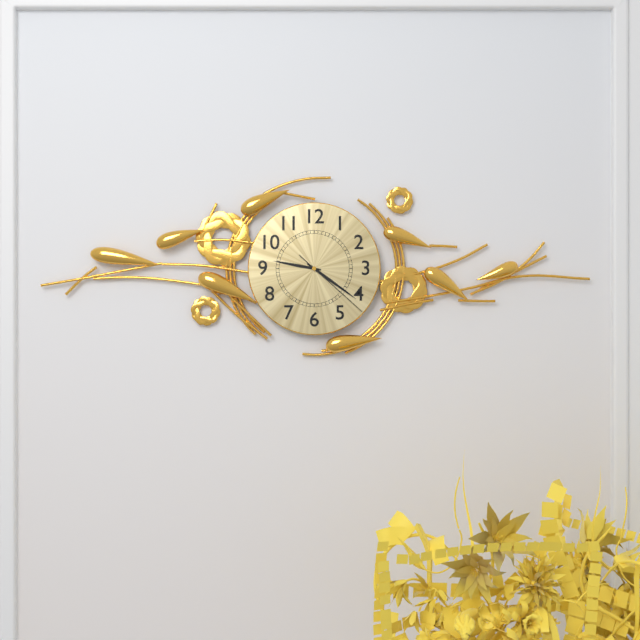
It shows 9 h 21 min 22 s
